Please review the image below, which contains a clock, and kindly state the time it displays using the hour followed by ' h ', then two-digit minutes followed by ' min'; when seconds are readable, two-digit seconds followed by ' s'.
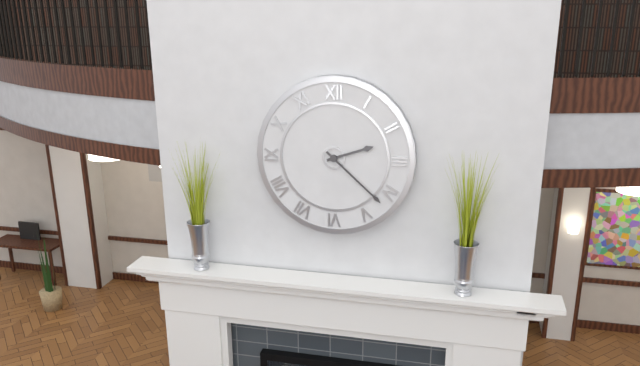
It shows 2 h 22 min
